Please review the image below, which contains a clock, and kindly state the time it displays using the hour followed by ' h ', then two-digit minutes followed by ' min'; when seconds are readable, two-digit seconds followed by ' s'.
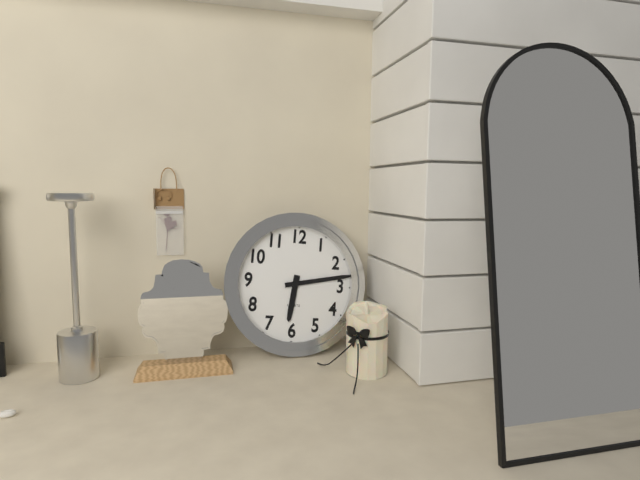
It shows 6 h 13 min
